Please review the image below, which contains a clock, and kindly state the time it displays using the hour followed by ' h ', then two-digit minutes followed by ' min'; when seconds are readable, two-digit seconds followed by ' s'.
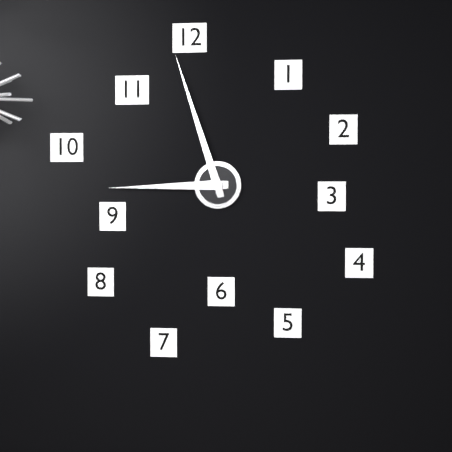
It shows 8 h 57 min
